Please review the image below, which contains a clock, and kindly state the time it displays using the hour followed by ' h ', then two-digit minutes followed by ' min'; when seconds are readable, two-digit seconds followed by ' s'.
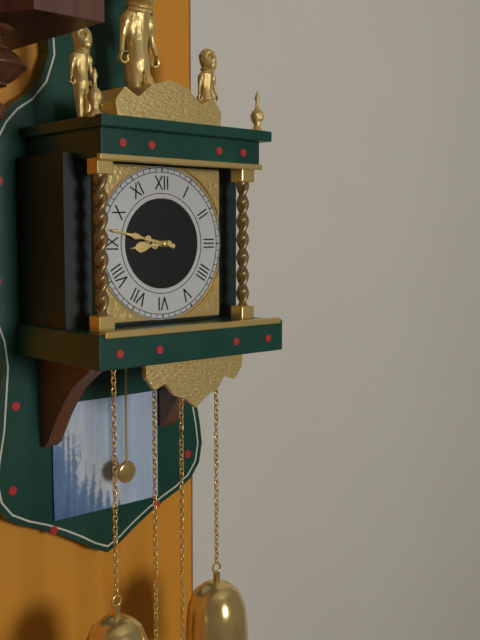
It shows 8 h 47 min
